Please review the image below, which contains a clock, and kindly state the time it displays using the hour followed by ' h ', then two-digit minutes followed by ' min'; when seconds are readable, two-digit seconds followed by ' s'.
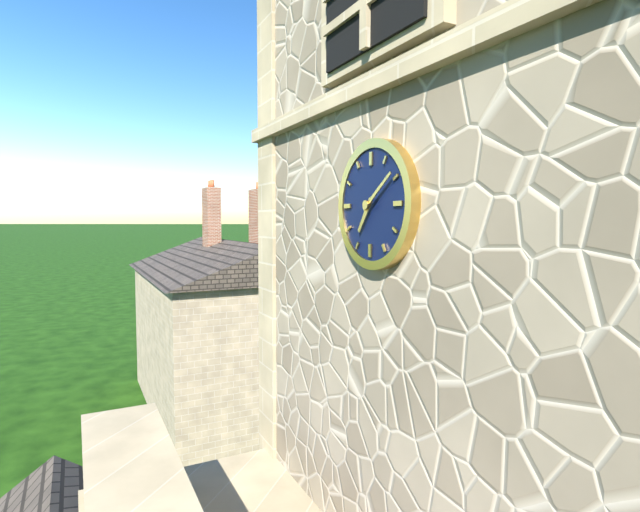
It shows 7 h 09 min
